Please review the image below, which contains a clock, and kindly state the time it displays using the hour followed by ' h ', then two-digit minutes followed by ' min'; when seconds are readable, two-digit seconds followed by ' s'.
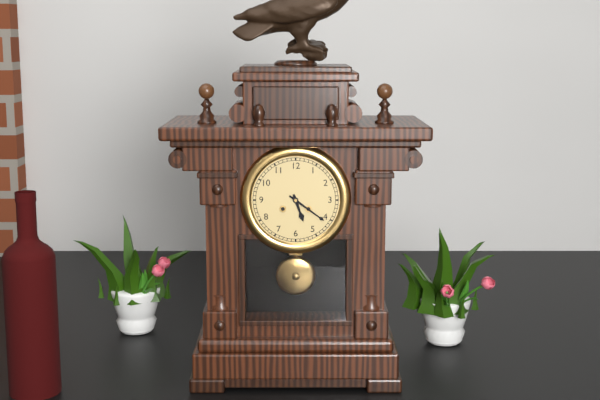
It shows 5 h 21 min
